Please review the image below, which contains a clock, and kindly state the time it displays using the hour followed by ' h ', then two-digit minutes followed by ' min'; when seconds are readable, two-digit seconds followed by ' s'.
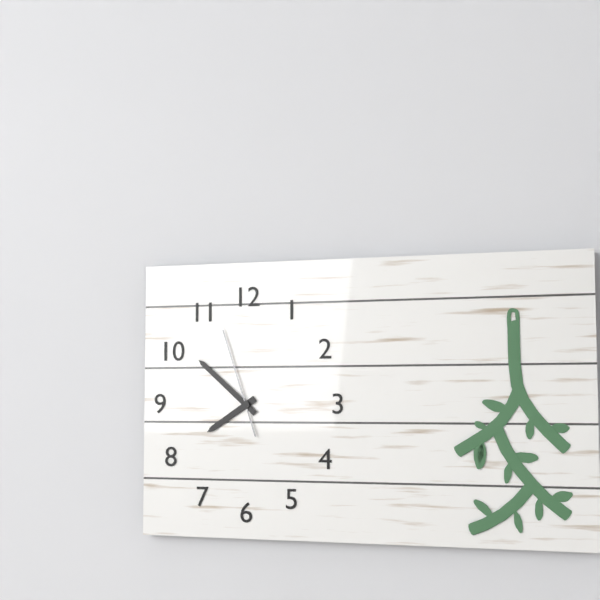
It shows 7 h 52 min 57 s
